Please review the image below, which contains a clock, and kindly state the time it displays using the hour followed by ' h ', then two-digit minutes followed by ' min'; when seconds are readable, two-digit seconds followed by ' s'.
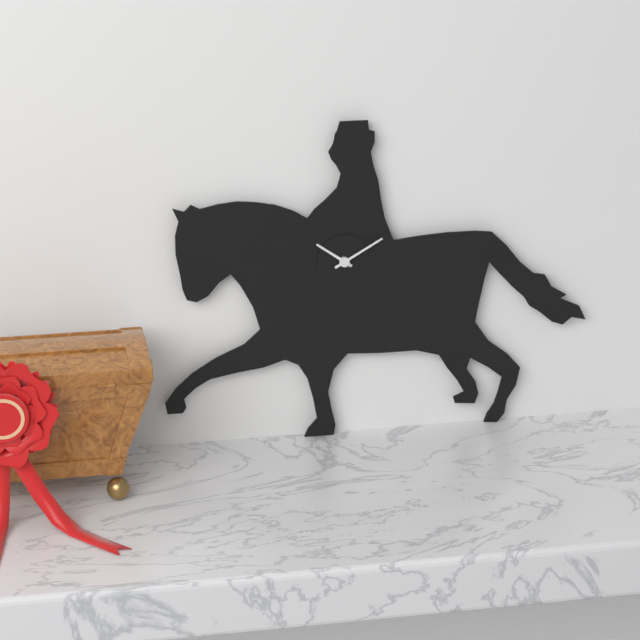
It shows 10 h 10 min
